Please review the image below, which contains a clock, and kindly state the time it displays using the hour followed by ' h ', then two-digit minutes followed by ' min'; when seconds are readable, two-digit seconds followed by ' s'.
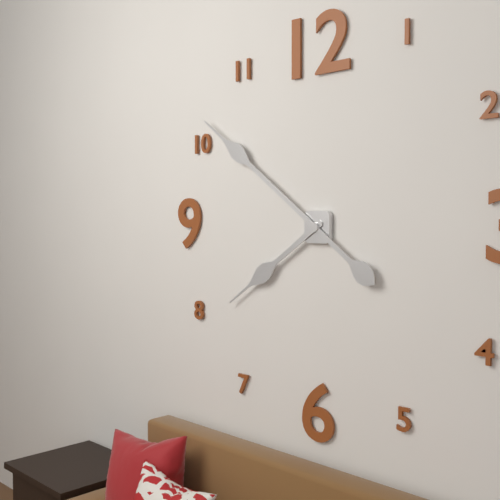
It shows 7 h 51 min
